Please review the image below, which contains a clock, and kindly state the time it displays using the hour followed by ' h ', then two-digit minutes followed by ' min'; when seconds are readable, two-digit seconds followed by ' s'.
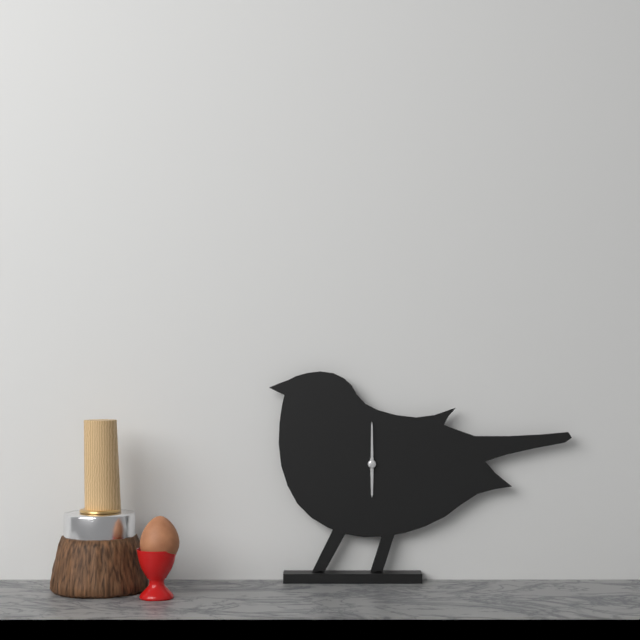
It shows 6 h 00 min
